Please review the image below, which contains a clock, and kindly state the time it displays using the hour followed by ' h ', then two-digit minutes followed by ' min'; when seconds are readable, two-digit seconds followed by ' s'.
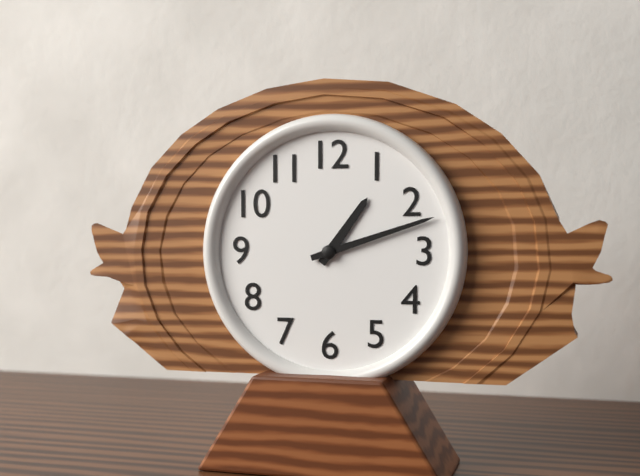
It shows 1 h 12 min
